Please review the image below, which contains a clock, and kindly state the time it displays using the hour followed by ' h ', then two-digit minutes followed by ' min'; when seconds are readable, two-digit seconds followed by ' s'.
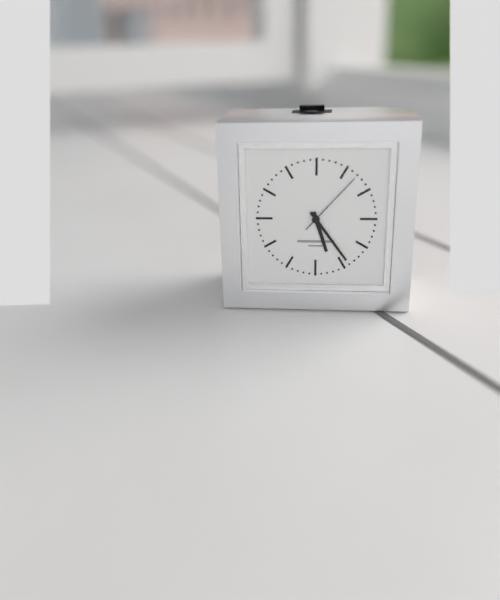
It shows 5 h 24 min 07 s
